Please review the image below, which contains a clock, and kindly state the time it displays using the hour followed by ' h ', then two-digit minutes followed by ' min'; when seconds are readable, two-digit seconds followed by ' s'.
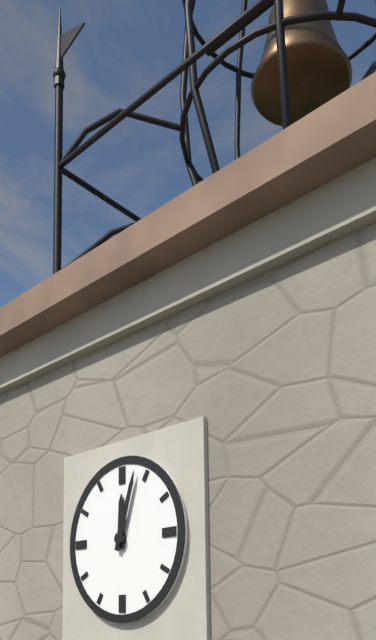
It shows 12 h 03 min
